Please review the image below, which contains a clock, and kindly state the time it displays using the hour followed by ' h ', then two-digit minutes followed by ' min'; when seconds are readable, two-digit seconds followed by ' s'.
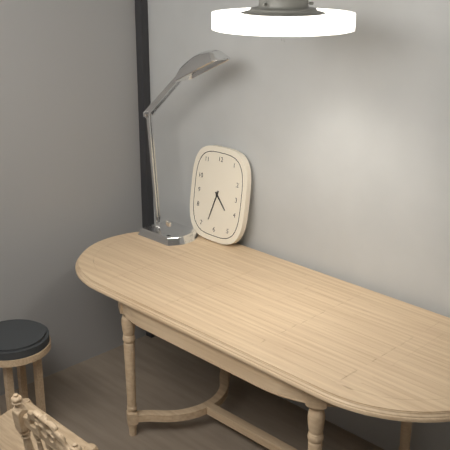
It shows 4 h 33 min
